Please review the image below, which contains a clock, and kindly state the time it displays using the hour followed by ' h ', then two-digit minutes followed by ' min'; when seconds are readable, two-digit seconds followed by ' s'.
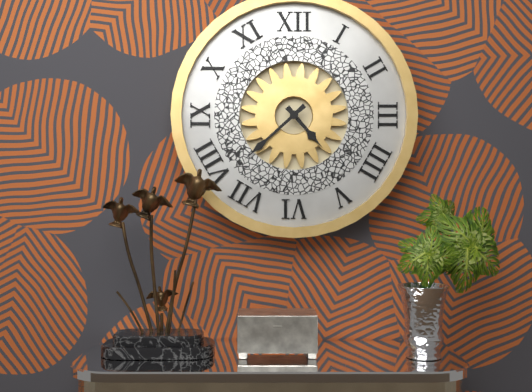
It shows 4 h 38 min
